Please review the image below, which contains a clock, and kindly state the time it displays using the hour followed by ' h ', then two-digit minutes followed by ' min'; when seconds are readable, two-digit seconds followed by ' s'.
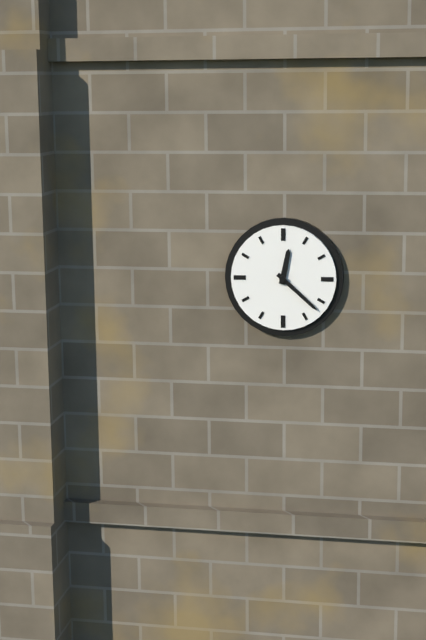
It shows 12 h 22 min
